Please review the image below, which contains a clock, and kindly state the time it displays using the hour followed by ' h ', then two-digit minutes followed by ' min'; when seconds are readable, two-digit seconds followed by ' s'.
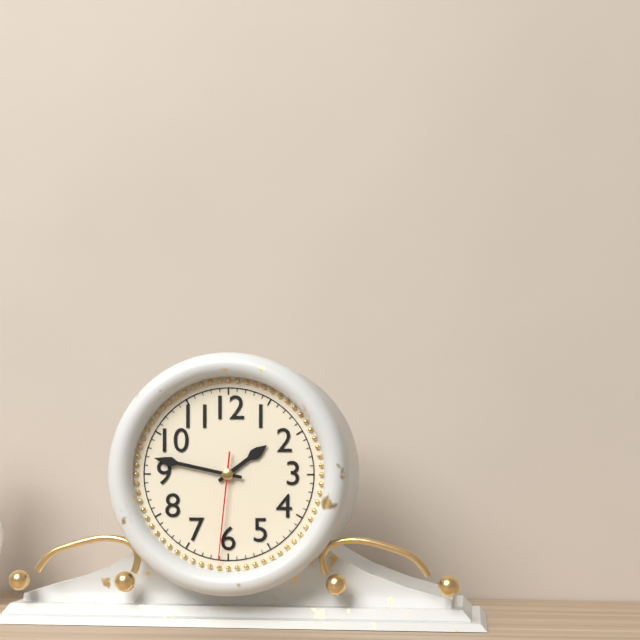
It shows 1 h 47 min 31 s
